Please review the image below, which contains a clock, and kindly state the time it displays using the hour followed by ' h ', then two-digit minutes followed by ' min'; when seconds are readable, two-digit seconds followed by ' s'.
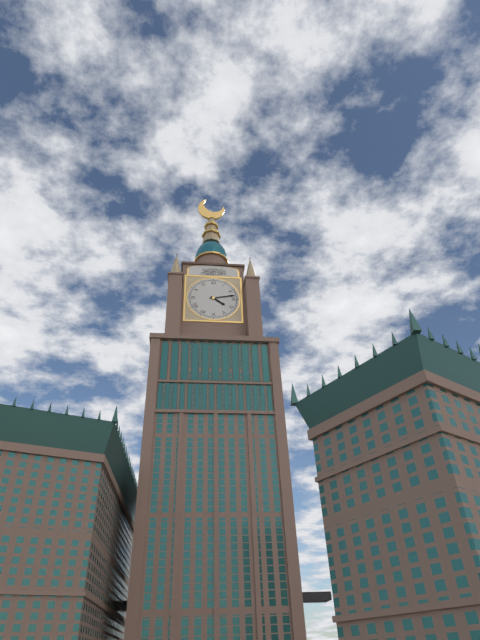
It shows 4 h 13 min
